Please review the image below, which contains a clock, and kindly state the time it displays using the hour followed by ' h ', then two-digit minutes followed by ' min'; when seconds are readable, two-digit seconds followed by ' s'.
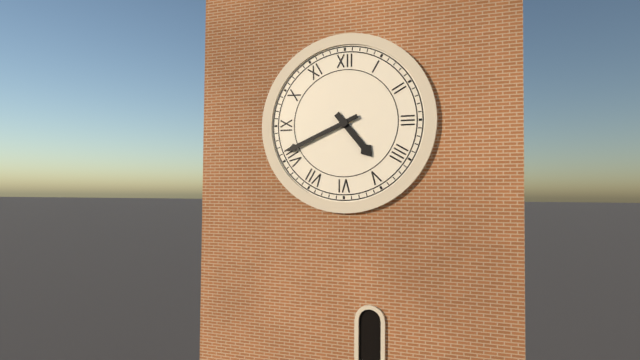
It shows 4 h 41 min
